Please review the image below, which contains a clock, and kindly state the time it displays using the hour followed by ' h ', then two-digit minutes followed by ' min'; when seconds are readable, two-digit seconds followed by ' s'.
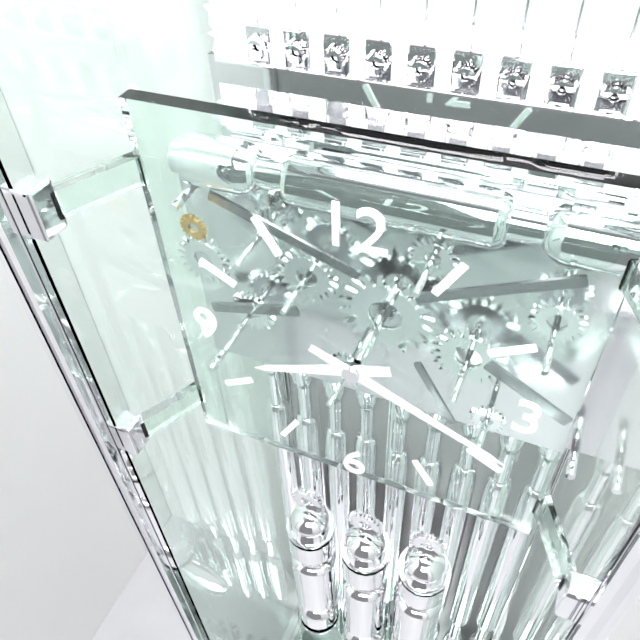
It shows 8 h 19 min
